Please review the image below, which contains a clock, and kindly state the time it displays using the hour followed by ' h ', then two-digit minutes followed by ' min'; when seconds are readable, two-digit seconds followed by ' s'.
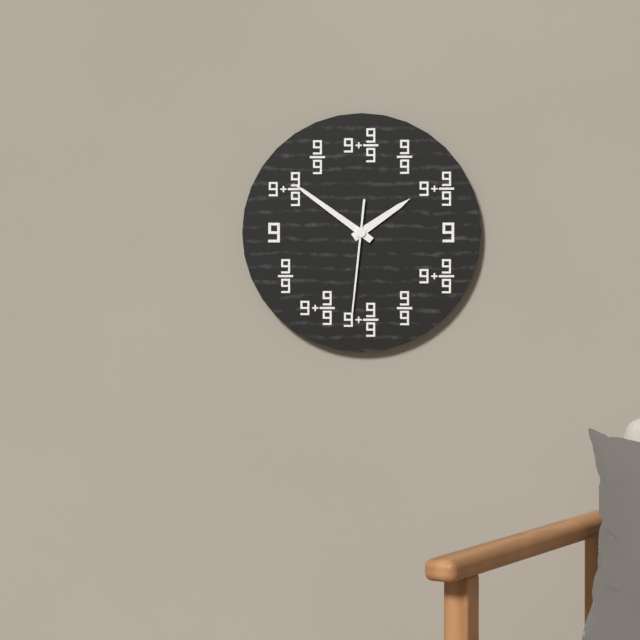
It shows 1 h 51 min 31 s
